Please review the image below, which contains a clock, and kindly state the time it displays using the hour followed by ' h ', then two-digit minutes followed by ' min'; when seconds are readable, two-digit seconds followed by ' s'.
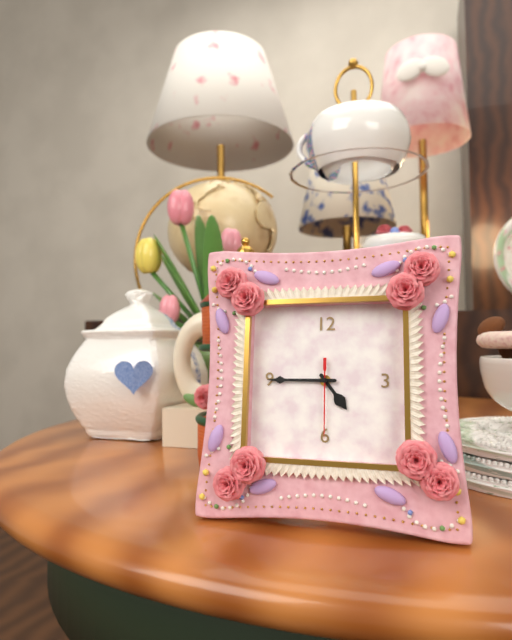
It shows 4 h 45 min 30 s
